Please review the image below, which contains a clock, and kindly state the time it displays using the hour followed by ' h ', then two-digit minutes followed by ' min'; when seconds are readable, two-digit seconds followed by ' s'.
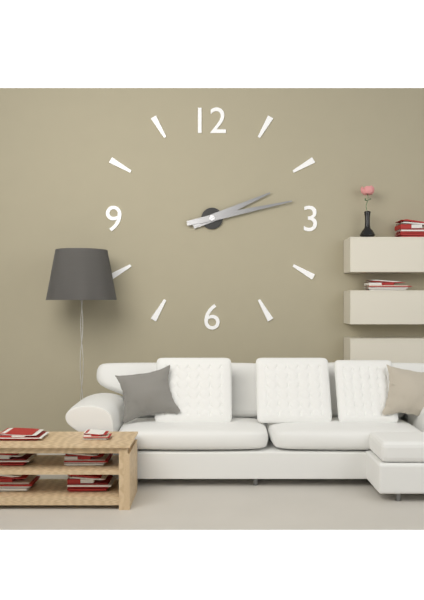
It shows 2 h 13 min
